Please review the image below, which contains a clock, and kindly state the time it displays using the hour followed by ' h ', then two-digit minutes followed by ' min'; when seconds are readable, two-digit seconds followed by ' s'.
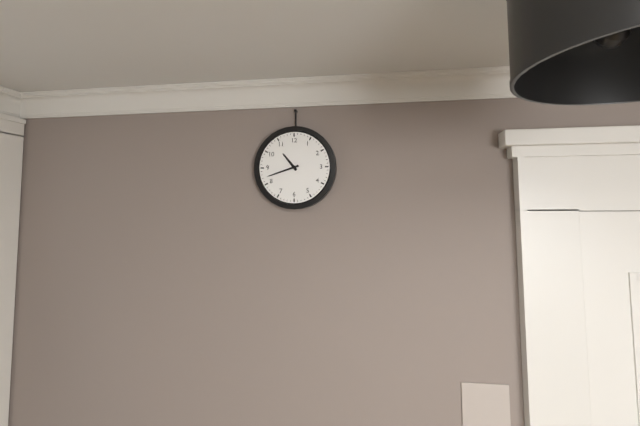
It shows 10 h 42 min
